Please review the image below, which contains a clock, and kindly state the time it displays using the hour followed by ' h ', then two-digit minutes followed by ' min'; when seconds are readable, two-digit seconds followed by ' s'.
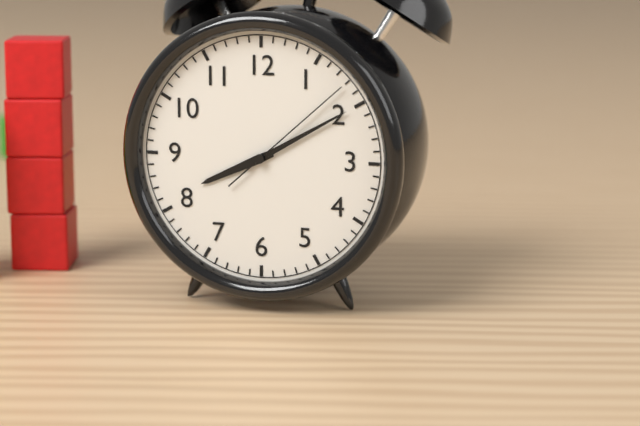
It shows 8 h 10 min 08 s
